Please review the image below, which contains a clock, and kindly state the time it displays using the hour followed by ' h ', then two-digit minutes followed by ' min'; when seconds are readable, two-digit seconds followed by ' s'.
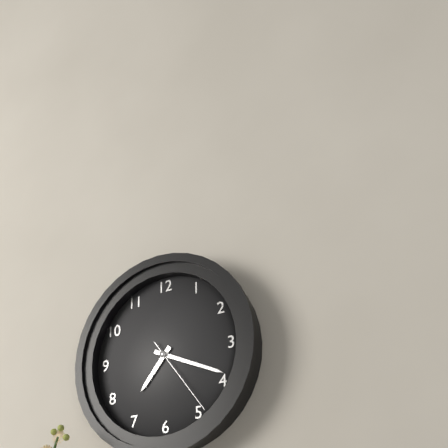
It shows 7 h 19 min 24 s
